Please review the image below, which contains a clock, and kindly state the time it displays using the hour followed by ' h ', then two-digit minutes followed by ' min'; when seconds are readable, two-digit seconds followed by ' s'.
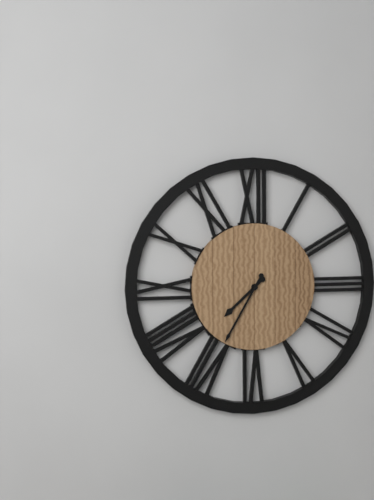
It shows 7 h 35 min
